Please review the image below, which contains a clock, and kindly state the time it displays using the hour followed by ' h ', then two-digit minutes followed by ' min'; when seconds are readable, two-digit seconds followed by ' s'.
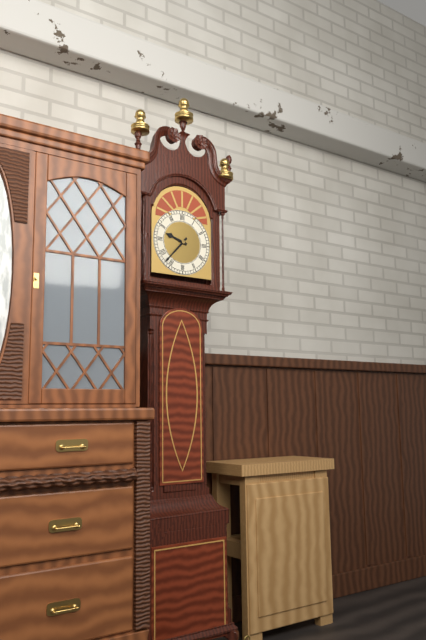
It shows 9 h 37 min
